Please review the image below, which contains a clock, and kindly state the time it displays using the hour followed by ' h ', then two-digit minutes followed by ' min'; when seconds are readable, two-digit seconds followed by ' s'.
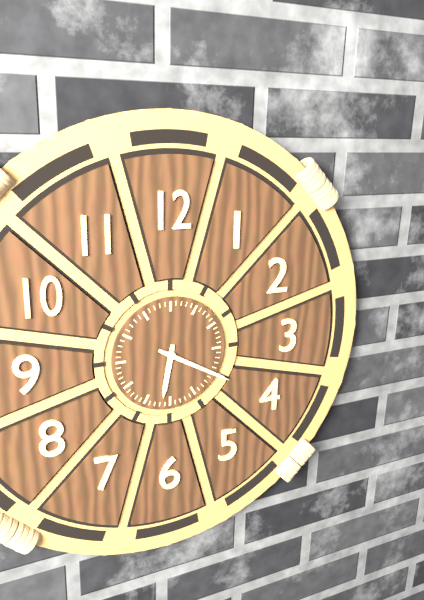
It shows 6 h 20 min
